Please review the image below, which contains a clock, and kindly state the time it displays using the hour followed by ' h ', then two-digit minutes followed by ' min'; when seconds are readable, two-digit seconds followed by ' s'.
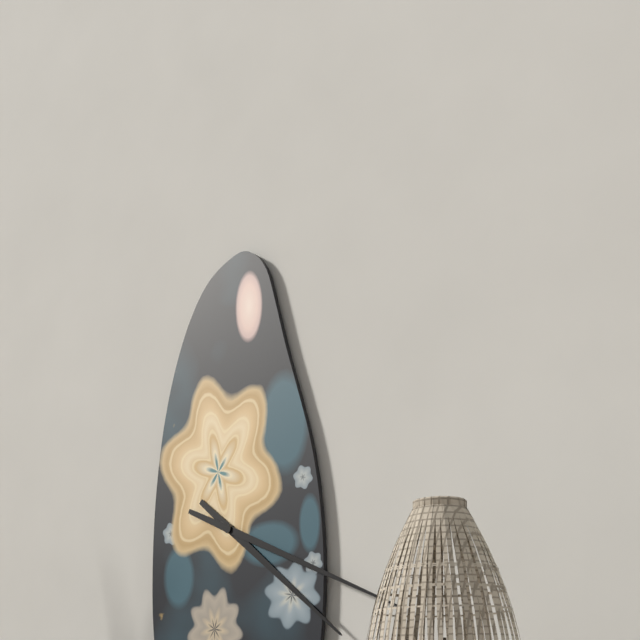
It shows 4 h 19 min
